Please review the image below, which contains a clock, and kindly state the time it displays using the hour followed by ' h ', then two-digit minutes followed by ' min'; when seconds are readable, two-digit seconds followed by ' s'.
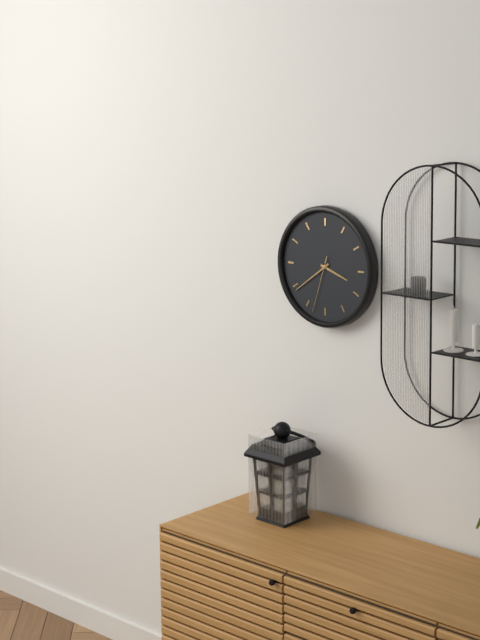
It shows 3 h 39 min 33 s
